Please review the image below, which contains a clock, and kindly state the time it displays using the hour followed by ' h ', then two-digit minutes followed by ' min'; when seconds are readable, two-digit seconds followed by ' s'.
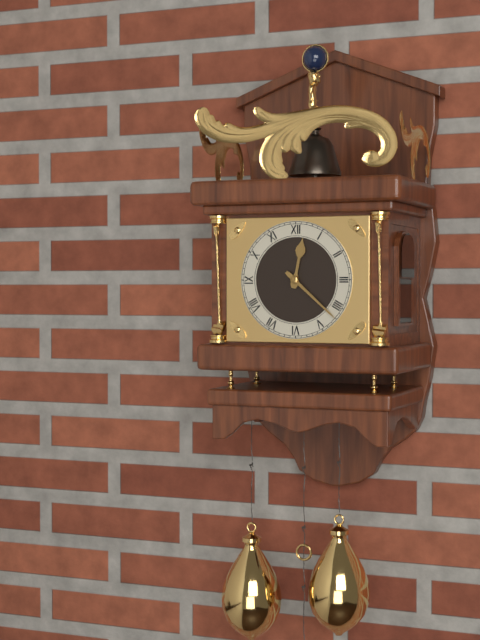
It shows 12 h 22 min
